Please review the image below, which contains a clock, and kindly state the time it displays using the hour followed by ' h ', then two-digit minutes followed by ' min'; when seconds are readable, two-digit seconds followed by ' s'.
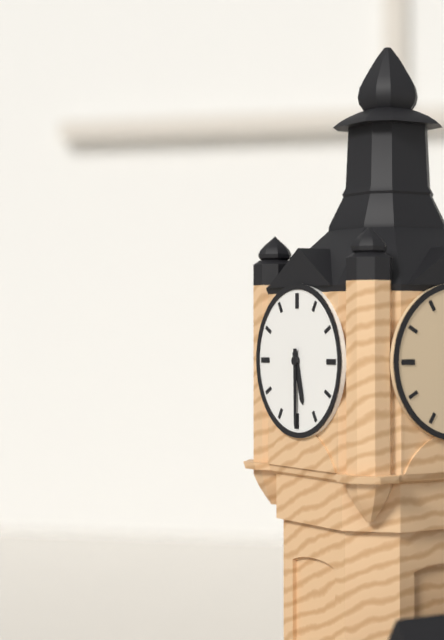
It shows 5 h 30 min
